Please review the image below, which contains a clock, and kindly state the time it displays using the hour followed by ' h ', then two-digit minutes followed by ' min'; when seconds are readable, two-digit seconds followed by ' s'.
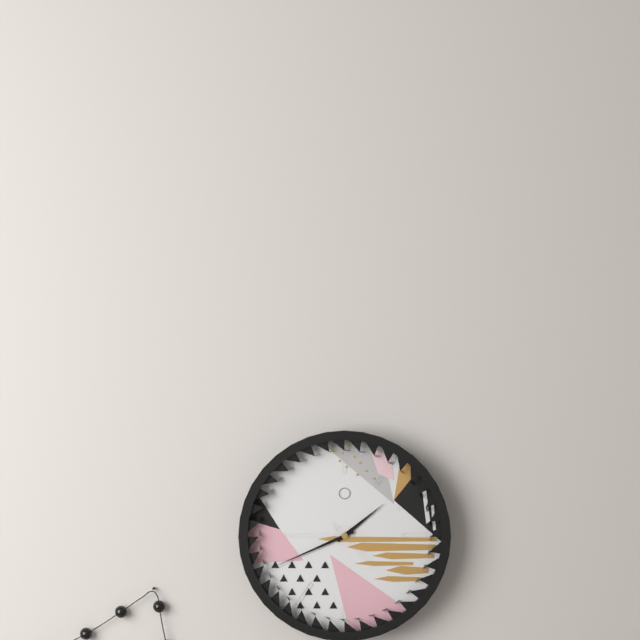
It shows 1 h 41 min
